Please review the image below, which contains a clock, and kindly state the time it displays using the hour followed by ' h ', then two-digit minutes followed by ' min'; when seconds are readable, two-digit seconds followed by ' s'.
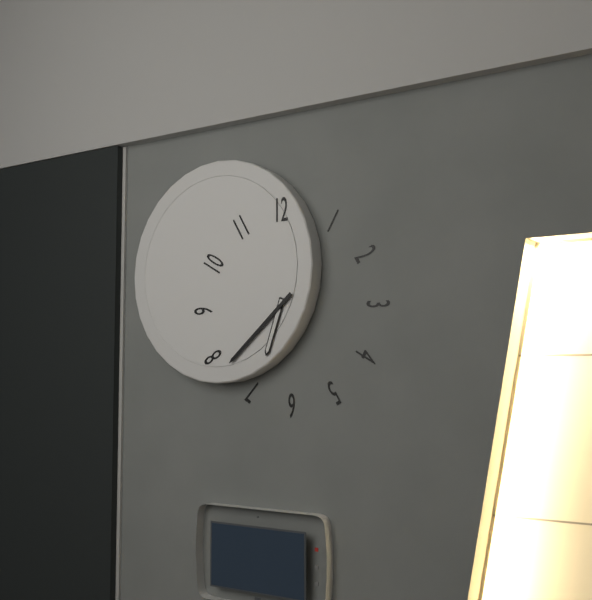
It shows 6 h 38 min
